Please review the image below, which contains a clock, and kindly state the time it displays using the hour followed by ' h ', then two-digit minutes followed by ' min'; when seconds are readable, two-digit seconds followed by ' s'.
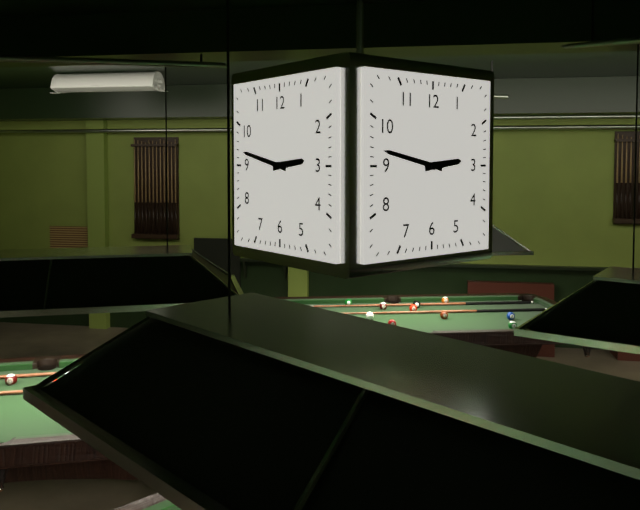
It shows 2 h 47 min
